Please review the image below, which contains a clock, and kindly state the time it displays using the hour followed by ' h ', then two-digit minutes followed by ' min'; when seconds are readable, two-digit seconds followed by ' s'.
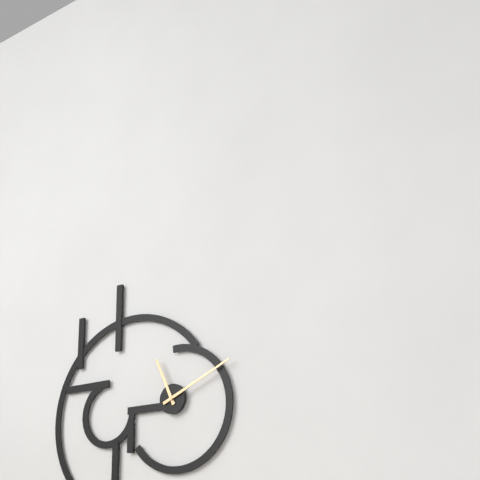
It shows 11 h 11 min
